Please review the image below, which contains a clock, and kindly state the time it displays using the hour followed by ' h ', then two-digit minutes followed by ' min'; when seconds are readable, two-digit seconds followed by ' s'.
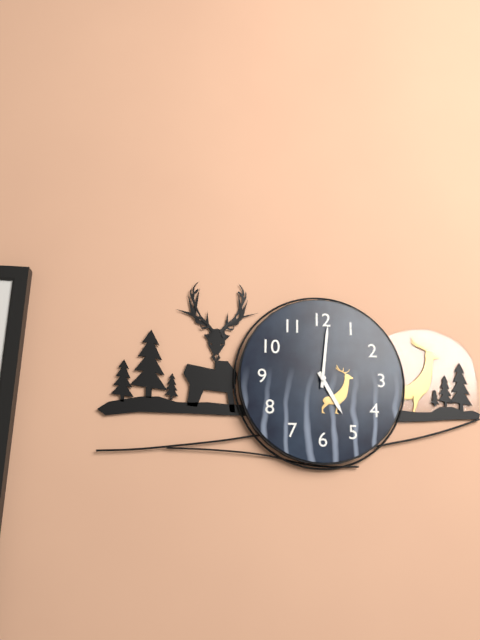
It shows 5 h 01 min
